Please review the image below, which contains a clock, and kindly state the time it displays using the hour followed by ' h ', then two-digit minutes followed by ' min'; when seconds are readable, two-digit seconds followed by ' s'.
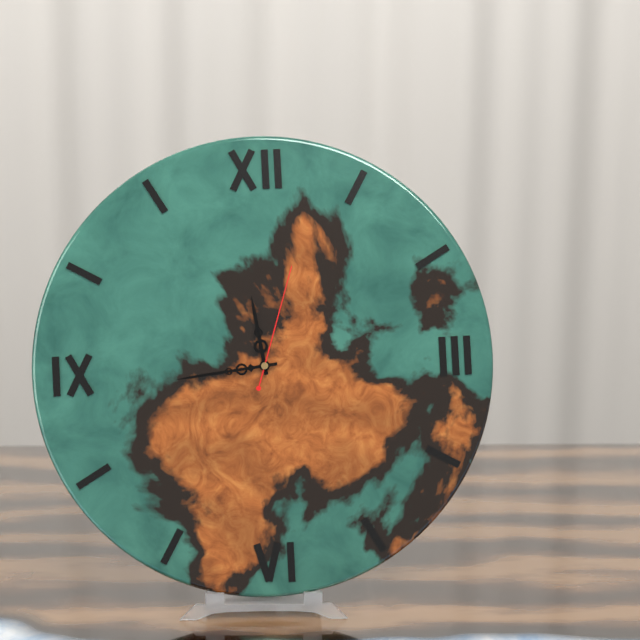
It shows 11 h 44 min 03 s
